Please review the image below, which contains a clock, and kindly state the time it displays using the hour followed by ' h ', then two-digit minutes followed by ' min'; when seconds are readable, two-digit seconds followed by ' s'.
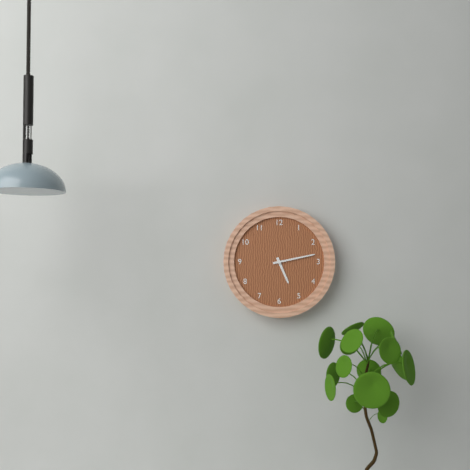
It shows 5 h 13 min
